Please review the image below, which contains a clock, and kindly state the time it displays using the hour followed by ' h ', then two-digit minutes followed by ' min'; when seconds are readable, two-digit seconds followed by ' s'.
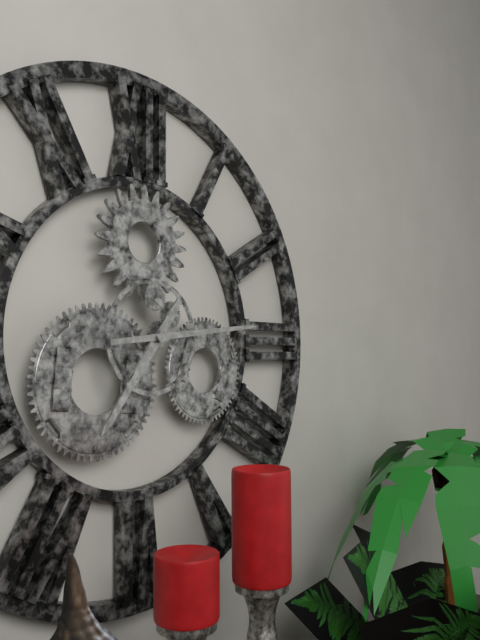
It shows 7 h 14 min
